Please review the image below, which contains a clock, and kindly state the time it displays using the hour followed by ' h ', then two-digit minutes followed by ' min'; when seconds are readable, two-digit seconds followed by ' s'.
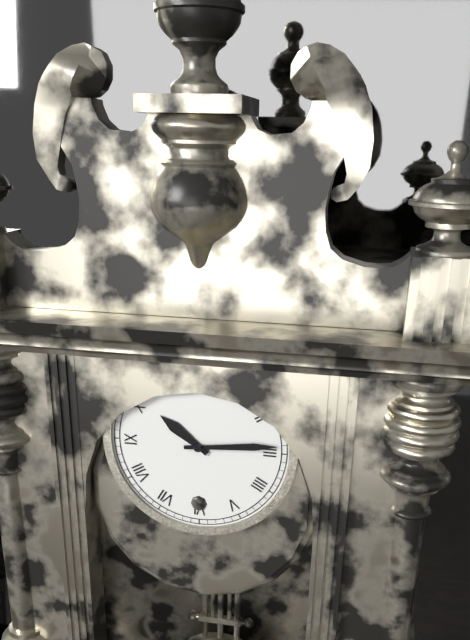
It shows 10 h 14 min
